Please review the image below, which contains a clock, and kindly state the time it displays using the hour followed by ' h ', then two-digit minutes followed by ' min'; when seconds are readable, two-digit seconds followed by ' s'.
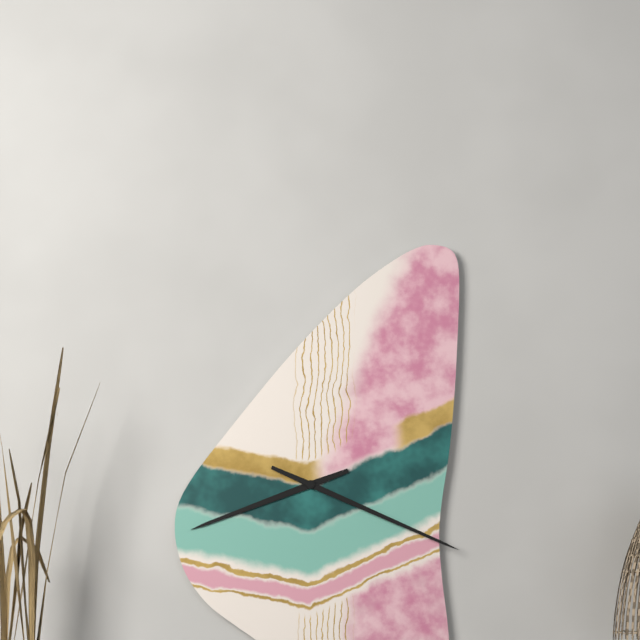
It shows 8 h 19 min
